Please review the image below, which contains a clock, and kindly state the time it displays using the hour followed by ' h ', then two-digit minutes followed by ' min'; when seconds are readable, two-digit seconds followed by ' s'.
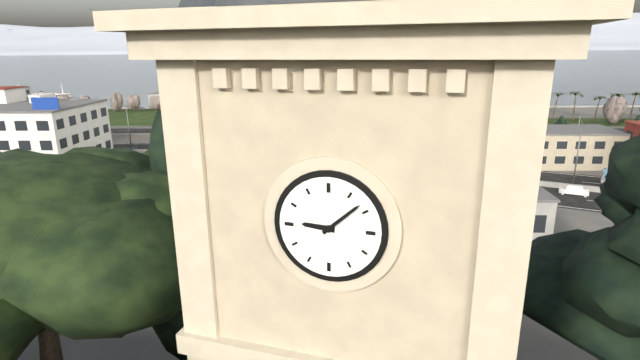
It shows 9 h 08 min
